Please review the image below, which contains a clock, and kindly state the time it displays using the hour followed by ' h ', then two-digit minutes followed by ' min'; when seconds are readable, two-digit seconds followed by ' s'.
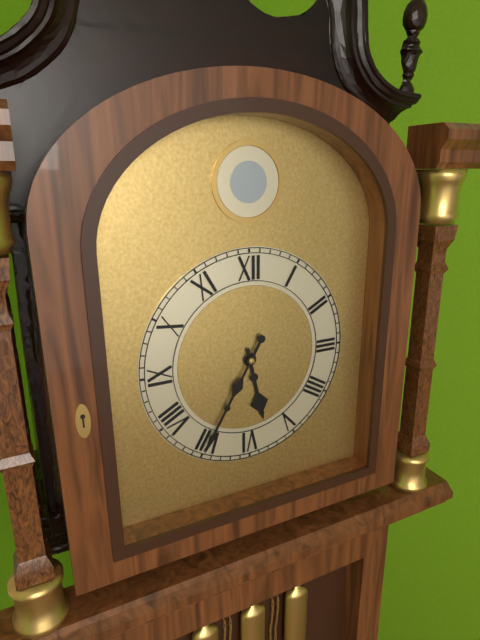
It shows 5 h 35 min
